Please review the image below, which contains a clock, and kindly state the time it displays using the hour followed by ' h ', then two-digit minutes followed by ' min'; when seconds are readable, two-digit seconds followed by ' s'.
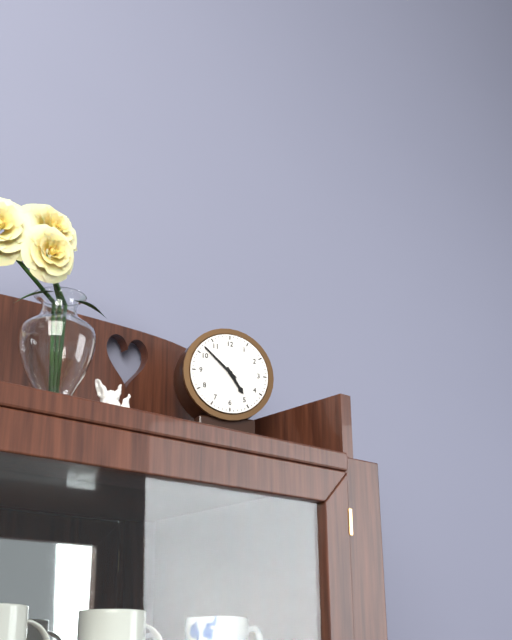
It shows 4 h 52 min
